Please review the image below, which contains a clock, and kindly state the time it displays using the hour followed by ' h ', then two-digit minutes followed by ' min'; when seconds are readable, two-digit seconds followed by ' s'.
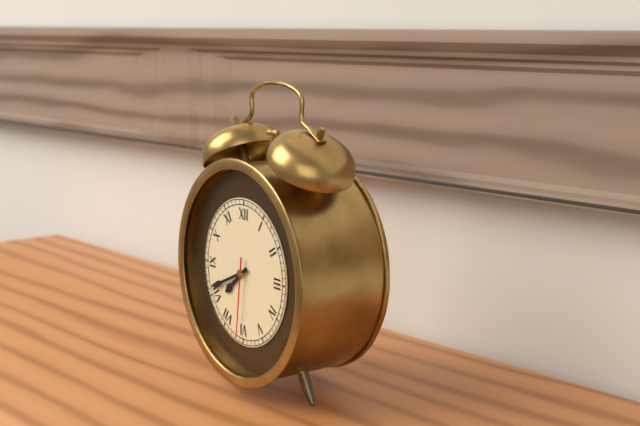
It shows 7 h 41 min 31 s
